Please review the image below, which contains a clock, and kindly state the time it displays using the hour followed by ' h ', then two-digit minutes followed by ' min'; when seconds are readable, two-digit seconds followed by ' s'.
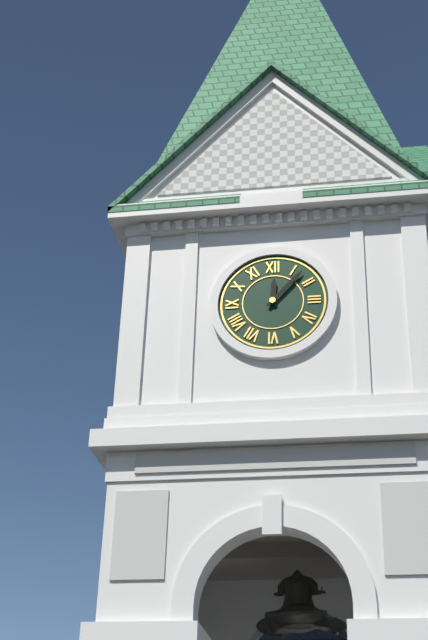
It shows 12 h 07 min
